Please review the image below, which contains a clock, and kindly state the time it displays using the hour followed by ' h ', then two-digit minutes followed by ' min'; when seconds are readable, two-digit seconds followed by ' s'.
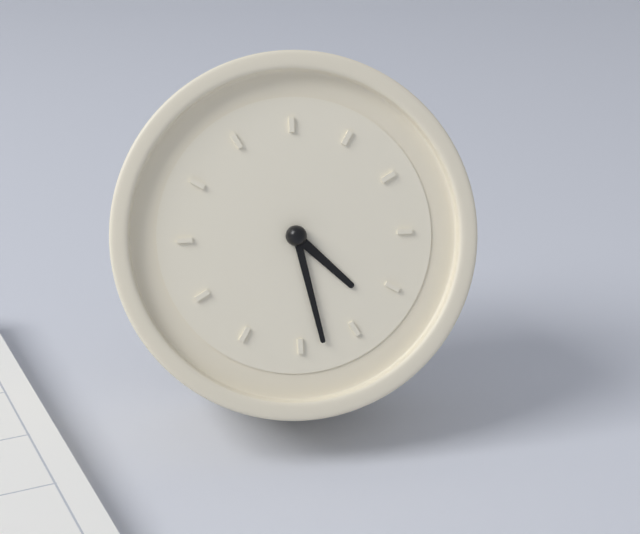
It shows 4 h 28 min
